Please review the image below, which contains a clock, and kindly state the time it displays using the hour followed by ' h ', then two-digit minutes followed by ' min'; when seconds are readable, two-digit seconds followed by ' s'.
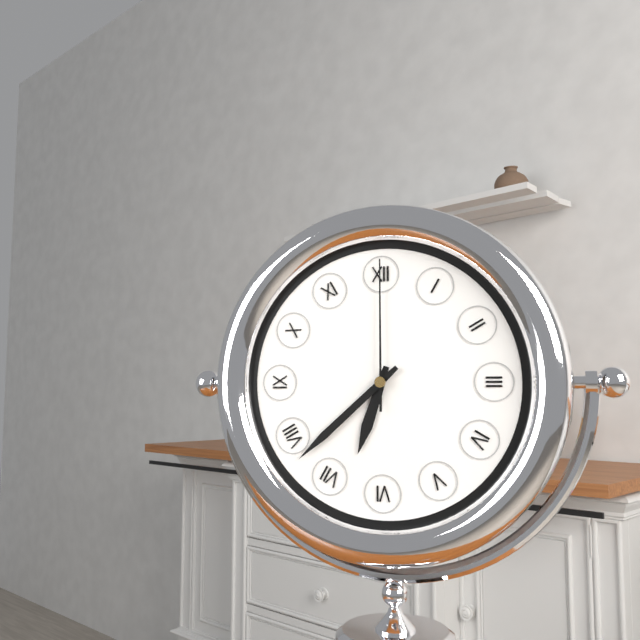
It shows 6 h 38 min 00 s
